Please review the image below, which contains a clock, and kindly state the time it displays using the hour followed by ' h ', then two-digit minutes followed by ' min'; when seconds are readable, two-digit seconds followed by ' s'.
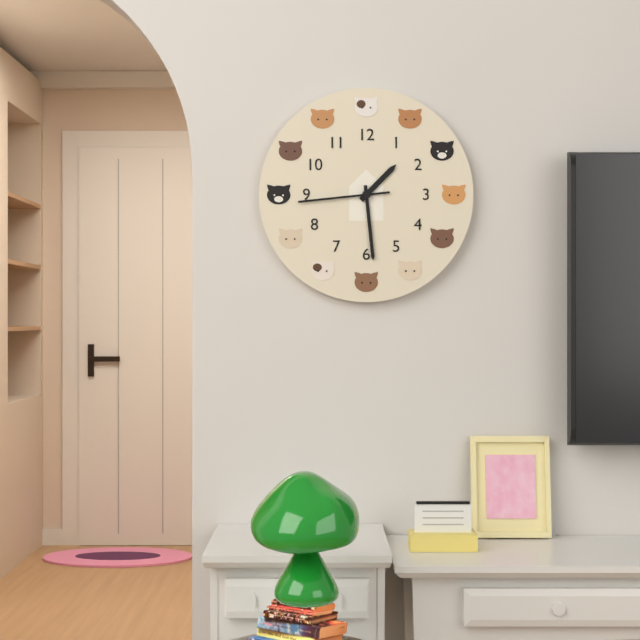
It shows 1 h 29 min 44 s
